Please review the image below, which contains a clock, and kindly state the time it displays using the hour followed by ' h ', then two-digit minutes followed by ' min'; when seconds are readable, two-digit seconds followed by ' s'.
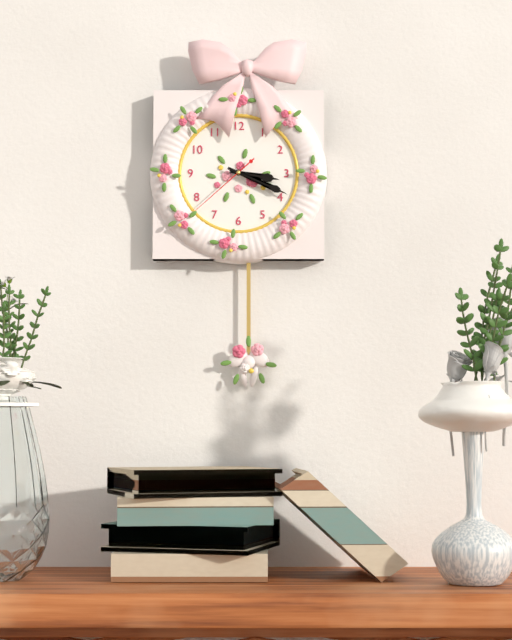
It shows 3 h 19 min 38 s
